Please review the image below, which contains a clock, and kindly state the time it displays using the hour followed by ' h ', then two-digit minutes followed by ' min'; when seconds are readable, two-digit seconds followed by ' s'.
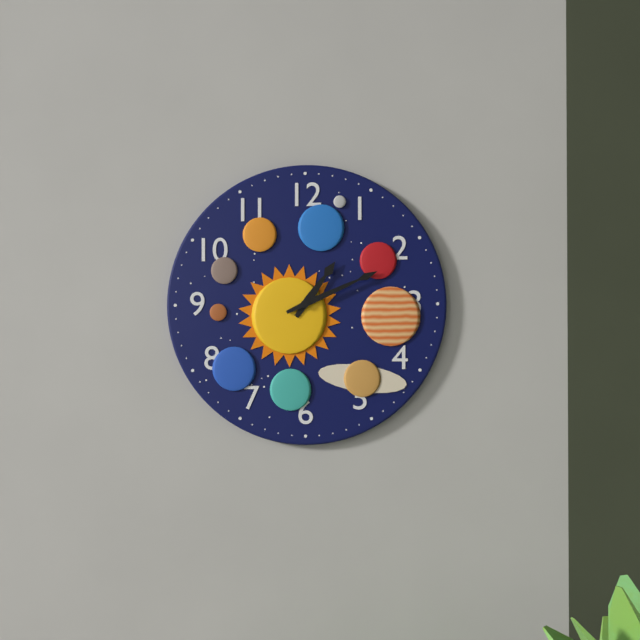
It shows 1 h 11 min
